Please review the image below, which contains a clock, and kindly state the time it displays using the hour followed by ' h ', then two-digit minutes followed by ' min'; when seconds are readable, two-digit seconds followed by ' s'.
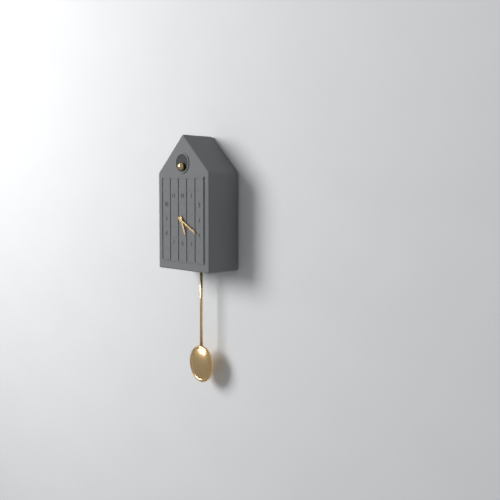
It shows 5 h 20 min
